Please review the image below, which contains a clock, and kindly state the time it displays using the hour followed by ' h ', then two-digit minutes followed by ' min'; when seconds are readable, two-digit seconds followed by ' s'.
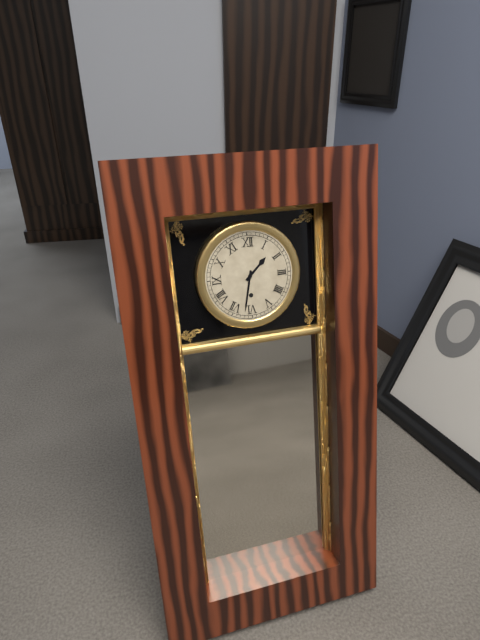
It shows 1 h 32 min
